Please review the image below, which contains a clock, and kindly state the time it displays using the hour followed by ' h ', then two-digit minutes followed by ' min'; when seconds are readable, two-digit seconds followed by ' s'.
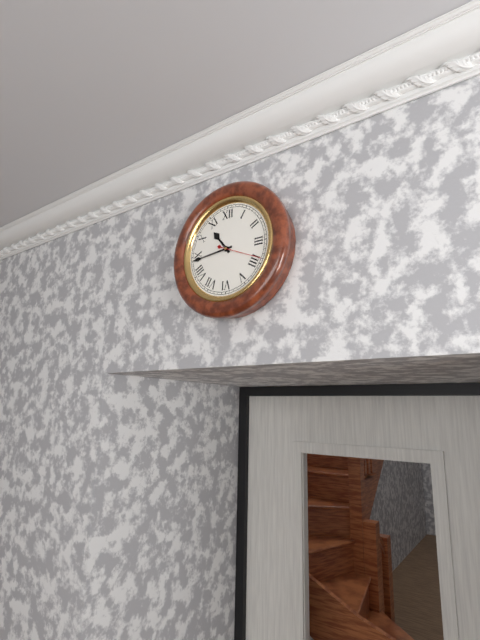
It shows 10 h 44 min
